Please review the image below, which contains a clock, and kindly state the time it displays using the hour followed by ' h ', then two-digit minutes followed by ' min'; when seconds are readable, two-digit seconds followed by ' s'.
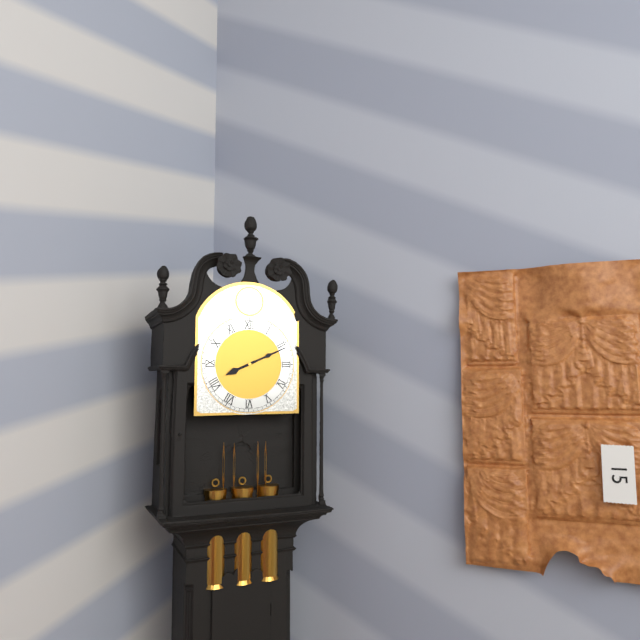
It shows 8 h 11 min
